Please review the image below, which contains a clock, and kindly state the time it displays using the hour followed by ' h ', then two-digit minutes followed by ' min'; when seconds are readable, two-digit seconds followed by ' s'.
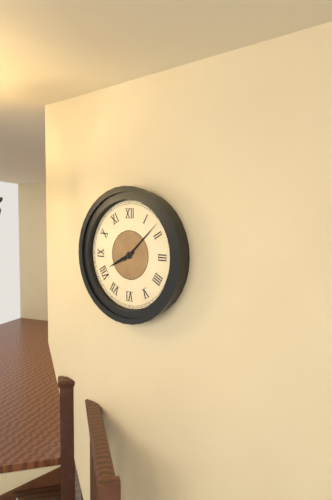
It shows 8 h 08 min
